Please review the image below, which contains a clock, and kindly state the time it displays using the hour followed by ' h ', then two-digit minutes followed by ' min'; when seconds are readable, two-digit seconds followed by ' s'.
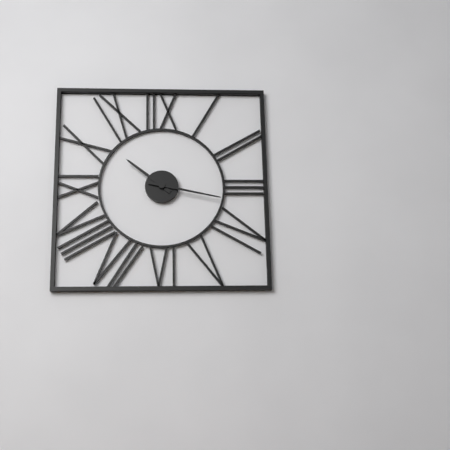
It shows 10 h 17 min
